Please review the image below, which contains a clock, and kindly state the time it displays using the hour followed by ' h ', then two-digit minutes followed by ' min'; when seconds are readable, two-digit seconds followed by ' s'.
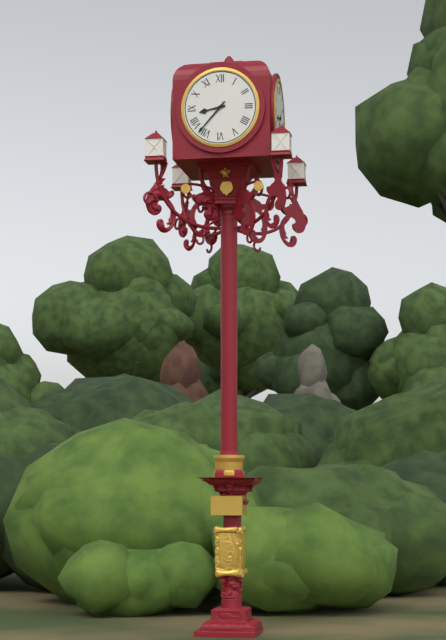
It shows 8 h 37 min
